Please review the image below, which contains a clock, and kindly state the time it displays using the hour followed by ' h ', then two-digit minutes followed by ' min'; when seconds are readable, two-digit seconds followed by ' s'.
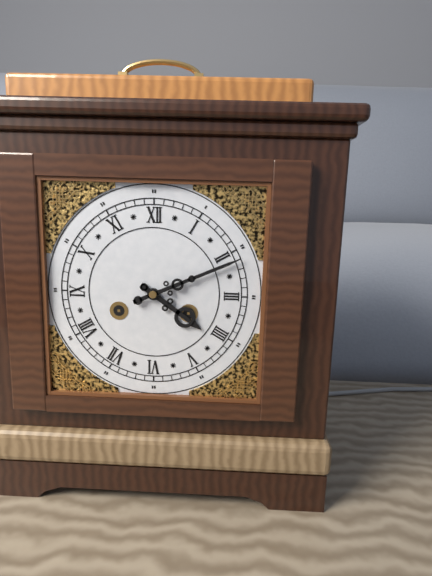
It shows 4 h 11 min
